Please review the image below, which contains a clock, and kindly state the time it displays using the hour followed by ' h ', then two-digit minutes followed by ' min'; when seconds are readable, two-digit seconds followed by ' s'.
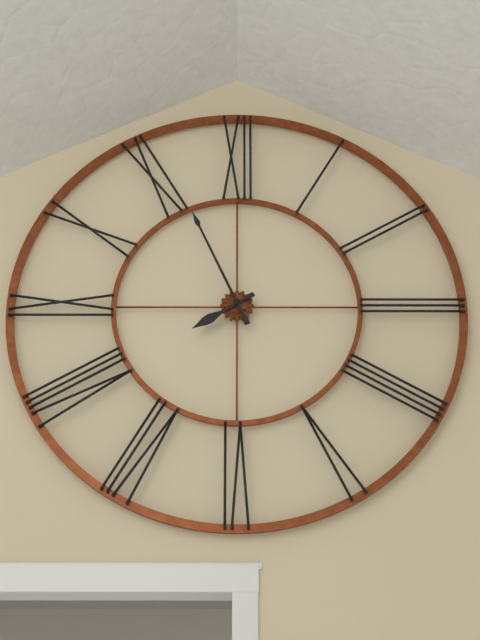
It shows 7 h 56 min
